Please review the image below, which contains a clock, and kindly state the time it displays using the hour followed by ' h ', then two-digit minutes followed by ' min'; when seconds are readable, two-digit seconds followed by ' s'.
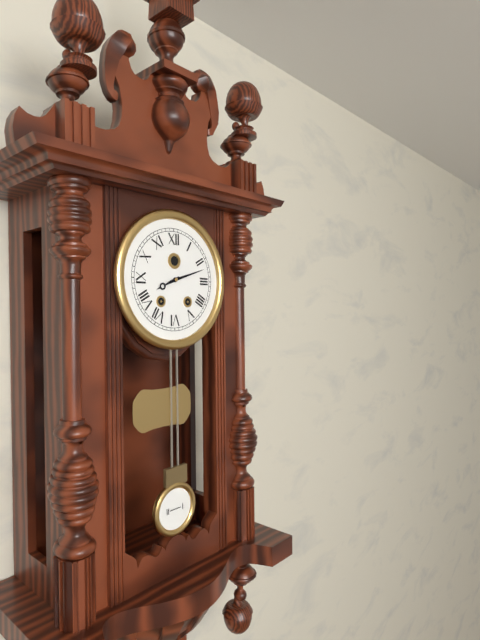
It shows 8 h 12 min
